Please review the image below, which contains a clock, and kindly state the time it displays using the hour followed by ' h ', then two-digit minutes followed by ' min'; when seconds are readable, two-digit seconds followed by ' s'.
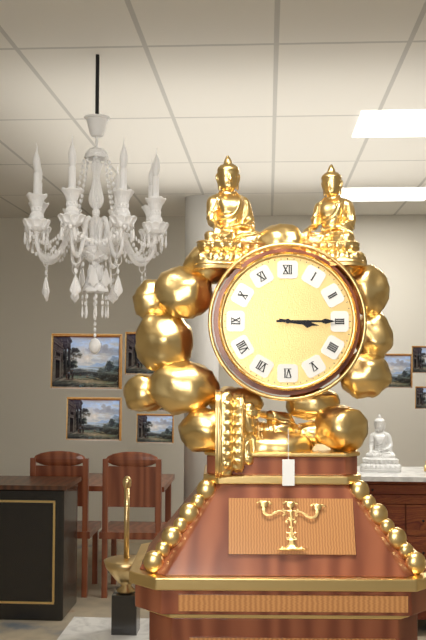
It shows 3 h 15 min
